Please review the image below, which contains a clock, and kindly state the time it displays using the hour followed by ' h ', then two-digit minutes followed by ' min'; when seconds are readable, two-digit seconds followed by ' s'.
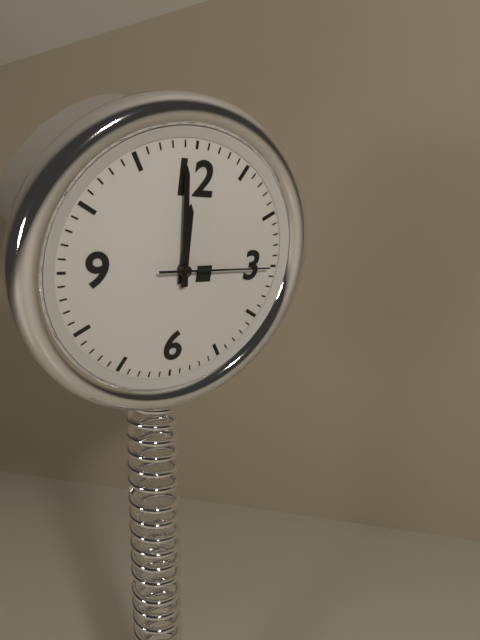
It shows 11 h 59 min 15 s
